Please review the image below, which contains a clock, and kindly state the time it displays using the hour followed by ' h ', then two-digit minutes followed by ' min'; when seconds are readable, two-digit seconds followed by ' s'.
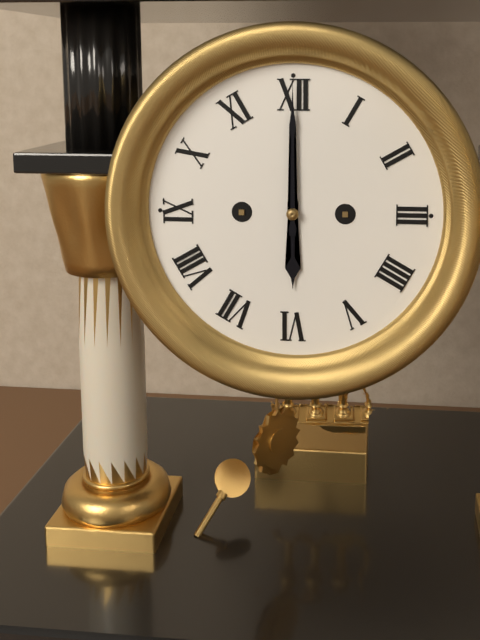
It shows 6 h 00 min
